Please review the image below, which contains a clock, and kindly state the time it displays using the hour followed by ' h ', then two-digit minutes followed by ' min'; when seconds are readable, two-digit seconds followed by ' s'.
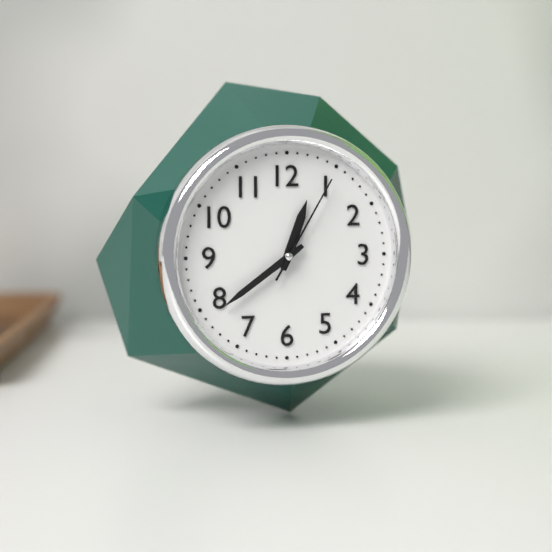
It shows 12 h 39 min 05 s
